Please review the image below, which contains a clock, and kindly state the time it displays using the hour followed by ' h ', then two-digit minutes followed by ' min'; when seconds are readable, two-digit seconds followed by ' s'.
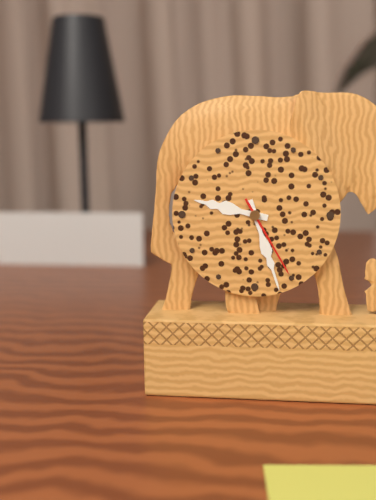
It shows 9 h 27 min 25 s
